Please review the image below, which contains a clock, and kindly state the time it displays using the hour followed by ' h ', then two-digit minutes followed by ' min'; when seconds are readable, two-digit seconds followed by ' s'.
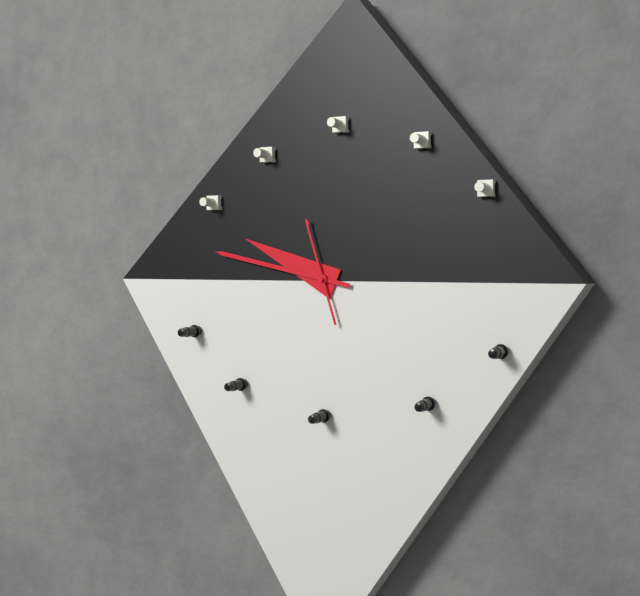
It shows 9 h 47 min 57 s
